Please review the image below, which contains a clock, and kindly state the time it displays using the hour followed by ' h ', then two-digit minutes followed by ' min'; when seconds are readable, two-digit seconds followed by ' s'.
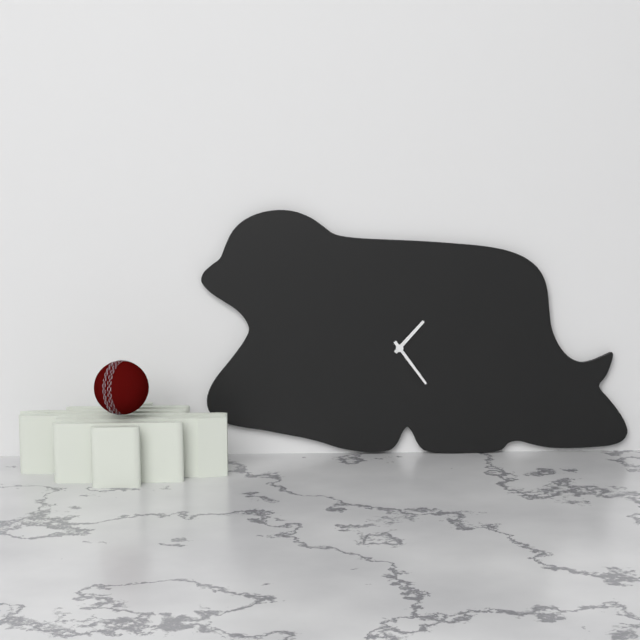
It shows 1 h 24 min
